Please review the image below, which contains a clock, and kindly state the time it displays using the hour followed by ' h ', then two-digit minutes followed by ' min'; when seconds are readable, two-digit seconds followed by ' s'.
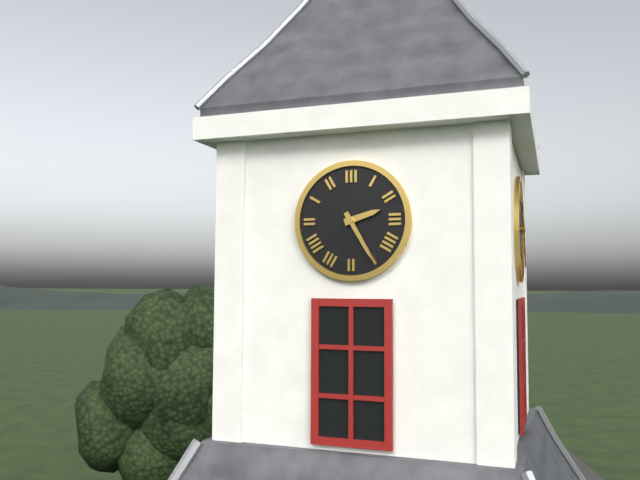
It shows 2 h 25 min
